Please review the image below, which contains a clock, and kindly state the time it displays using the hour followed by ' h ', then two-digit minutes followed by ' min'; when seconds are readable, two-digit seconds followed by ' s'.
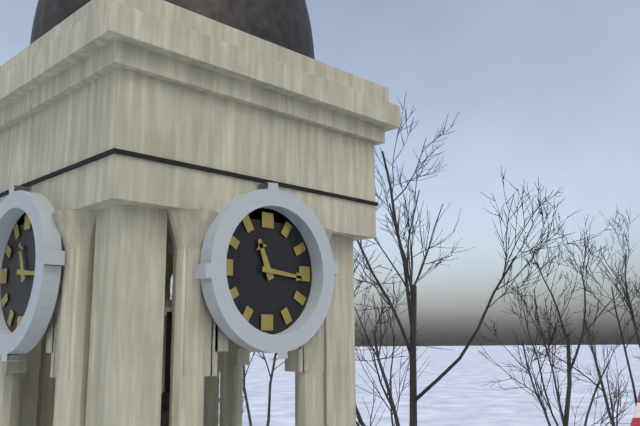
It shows 11 h 16 min
